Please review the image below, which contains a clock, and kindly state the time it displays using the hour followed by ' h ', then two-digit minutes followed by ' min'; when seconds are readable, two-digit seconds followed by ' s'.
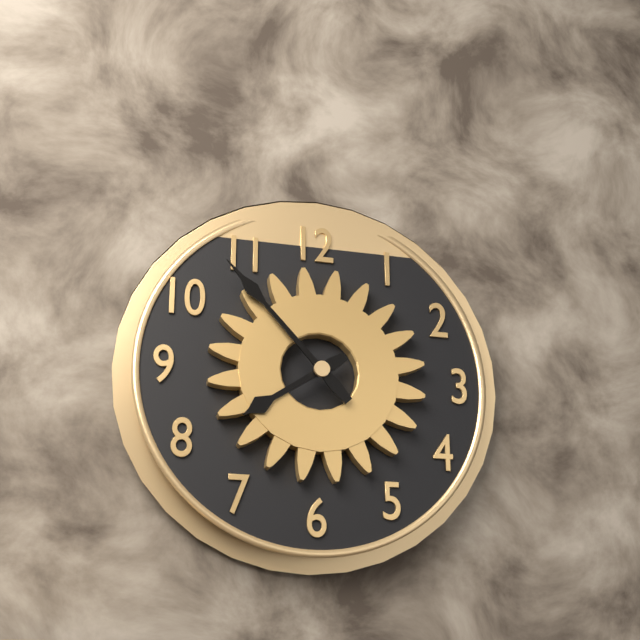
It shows 7 h 53 min
